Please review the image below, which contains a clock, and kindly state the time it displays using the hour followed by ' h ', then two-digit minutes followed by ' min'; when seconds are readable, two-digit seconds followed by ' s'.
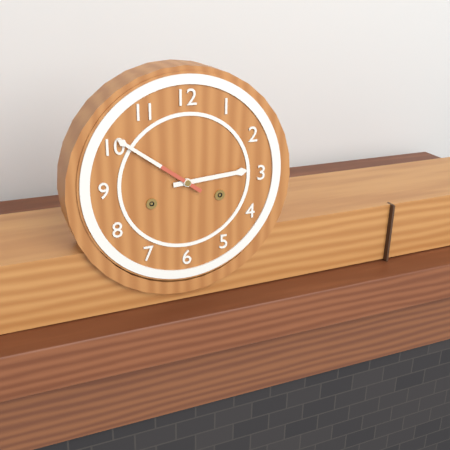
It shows 2 h 51 min
